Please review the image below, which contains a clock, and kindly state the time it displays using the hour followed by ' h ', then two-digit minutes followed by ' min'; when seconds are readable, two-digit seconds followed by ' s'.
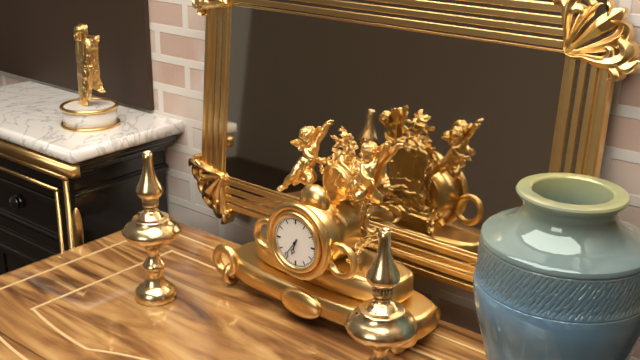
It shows 6 h 36 min
